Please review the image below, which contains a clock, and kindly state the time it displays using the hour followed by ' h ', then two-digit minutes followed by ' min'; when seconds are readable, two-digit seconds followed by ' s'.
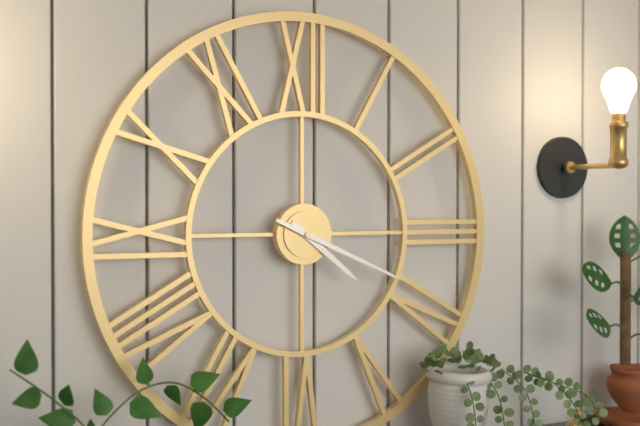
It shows 4 h 19 min
